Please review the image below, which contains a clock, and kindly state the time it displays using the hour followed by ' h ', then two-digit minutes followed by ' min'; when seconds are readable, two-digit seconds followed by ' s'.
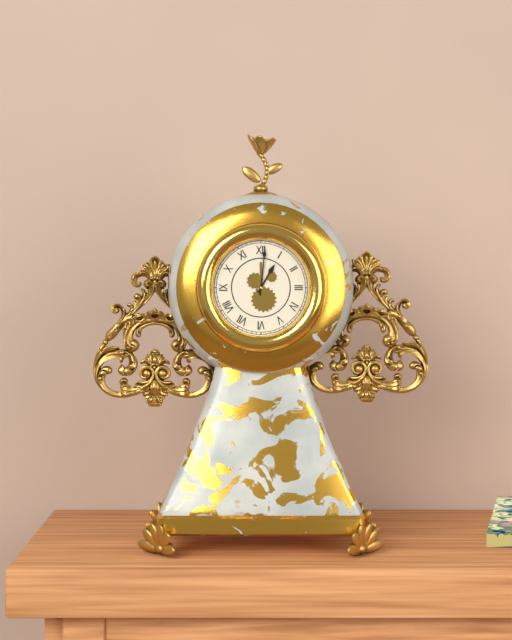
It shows 1 h 01 min
